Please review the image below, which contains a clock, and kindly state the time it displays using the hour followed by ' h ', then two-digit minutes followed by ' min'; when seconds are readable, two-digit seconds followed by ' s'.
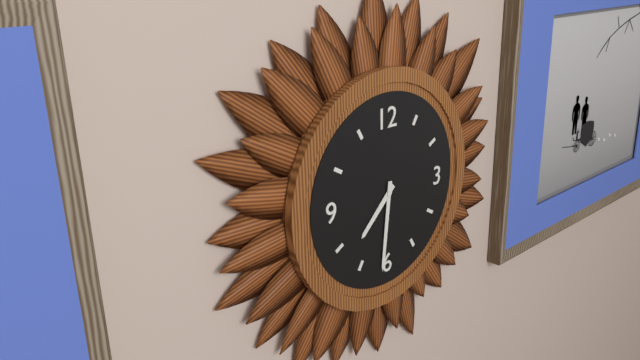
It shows 7 h 31 min
